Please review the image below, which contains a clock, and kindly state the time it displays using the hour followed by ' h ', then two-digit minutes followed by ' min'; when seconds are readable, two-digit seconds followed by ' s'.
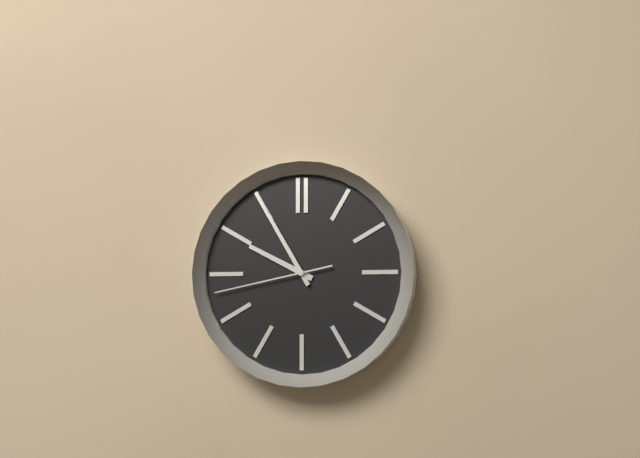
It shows 9 h 55 min 43 s
